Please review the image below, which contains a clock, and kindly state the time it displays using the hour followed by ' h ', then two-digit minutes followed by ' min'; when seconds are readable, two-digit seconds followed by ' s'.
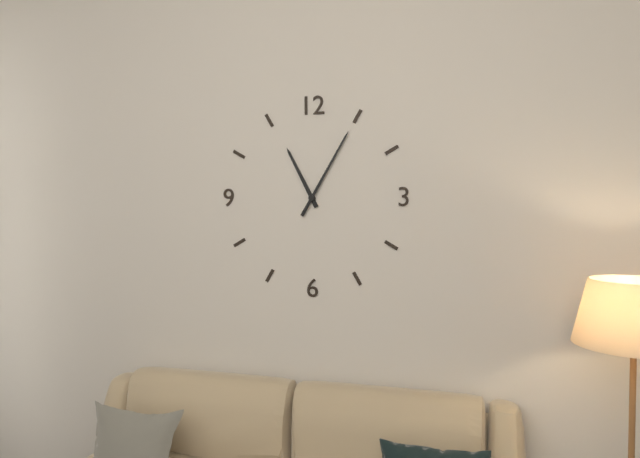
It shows 11 h 05 min
